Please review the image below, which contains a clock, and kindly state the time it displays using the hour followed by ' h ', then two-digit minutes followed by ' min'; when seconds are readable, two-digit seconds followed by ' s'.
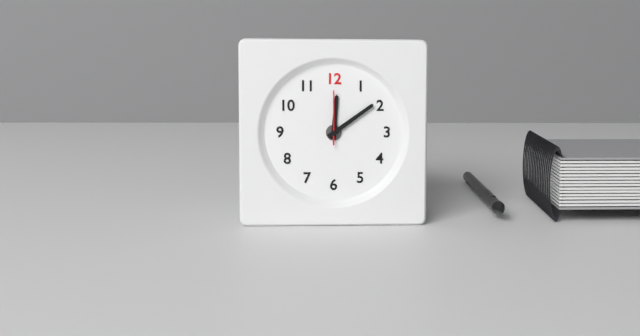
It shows 12 h 09 min 00 s
